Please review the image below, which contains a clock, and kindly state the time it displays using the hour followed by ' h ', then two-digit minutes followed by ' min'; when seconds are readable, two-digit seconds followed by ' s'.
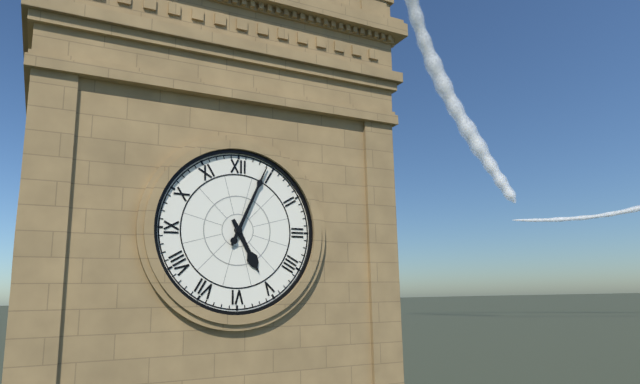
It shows 5 h 04 min
